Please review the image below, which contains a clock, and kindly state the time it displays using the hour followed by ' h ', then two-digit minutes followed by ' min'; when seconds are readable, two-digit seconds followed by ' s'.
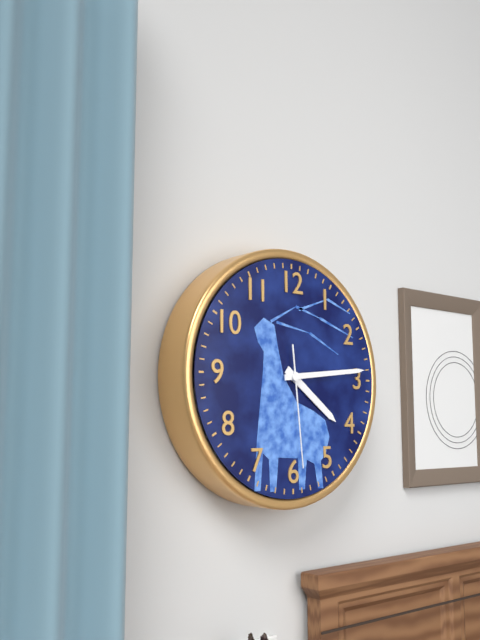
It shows 4 h 14 min 29 s
